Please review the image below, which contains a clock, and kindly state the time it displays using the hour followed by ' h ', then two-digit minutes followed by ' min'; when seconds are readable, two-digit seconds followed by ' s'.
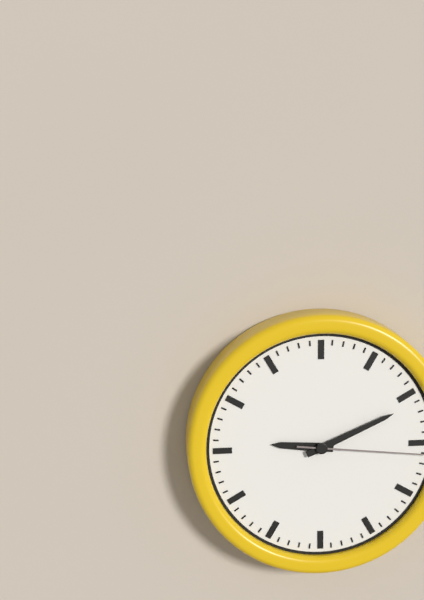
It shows 9 h 11 min
